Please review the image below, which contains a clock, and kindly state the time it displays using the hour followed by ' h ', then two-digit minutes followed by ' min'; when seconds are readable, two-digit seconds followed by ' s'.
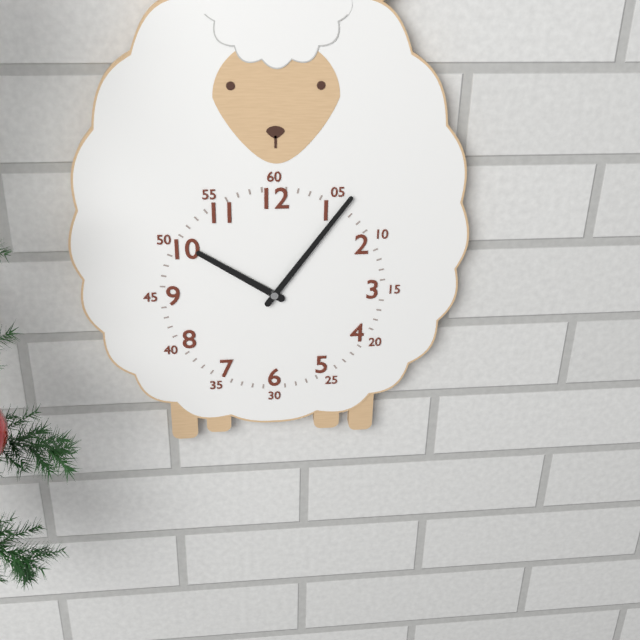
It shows 10 h 06 min
